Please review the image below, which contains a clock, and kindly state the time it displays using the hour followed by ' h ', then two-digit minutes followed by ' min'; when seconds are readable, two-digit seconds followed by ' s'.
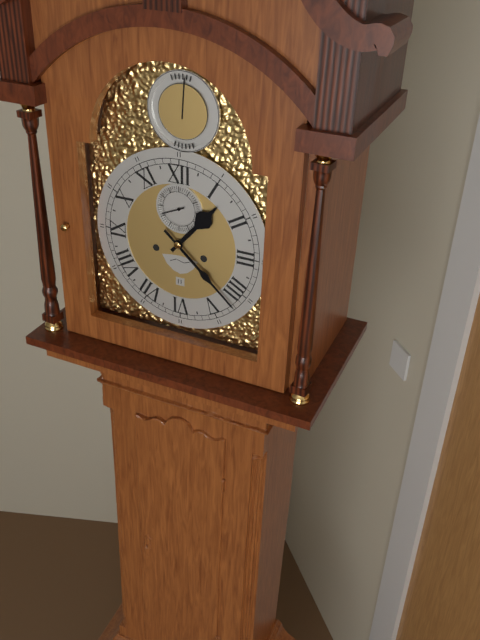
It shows 1 h 22 min
